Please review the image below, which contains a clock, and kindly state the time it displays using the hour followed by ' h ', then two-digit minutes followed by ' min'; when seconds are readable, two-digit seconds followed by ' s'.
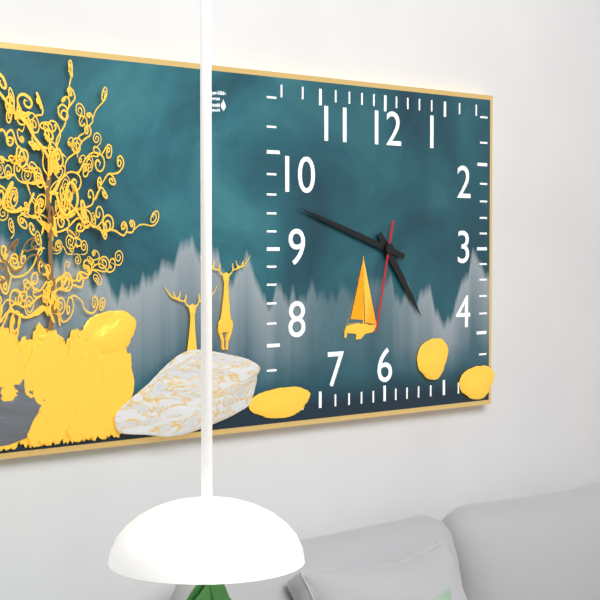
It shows 4 h 48 min 32 s
